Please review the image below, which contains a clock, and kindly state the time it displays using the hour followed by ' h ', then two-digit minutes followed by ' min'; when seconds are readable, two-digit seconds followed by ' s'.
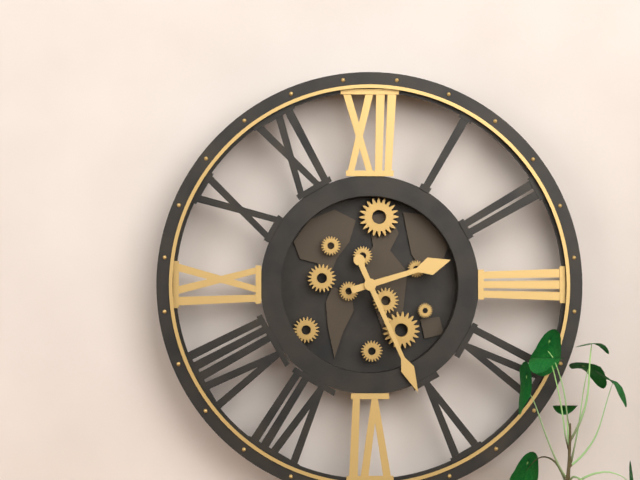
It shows 2 h 26 min
